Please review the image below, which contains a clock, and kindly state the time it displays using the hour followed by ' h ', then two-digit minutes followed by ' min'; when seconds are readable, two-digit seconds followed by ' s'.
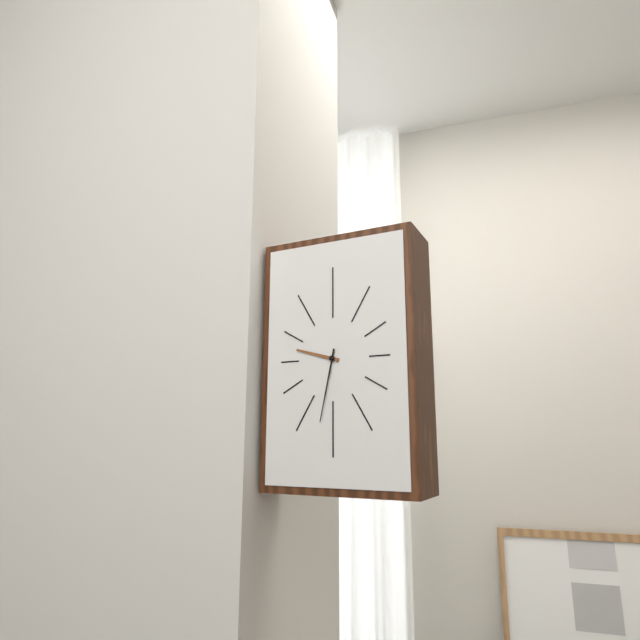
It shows 9 h 32 min
